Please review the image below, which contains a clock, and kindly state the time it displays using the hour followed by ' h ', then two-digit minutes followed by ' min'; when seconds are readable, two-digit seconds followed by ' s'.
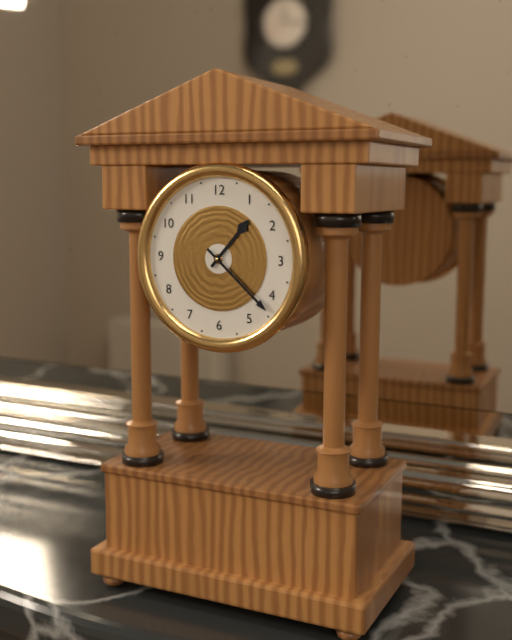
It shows 1 h 22 min
